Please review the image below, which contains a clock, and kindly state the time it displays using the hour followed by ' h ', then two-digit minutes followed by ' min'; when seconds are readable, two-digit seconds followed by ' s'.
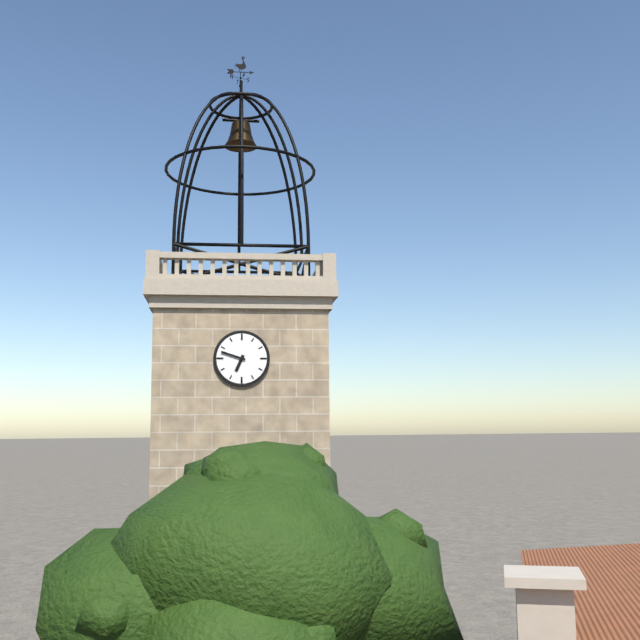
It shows 6 h 48 min
